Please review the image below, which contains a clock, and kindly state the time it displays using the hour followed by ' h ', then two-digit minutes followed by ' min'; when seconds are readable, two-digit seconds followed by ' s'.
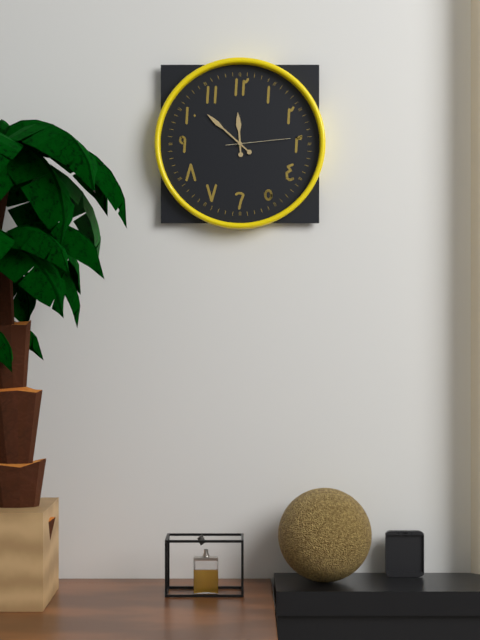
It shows 11 h 52 min 14 s
